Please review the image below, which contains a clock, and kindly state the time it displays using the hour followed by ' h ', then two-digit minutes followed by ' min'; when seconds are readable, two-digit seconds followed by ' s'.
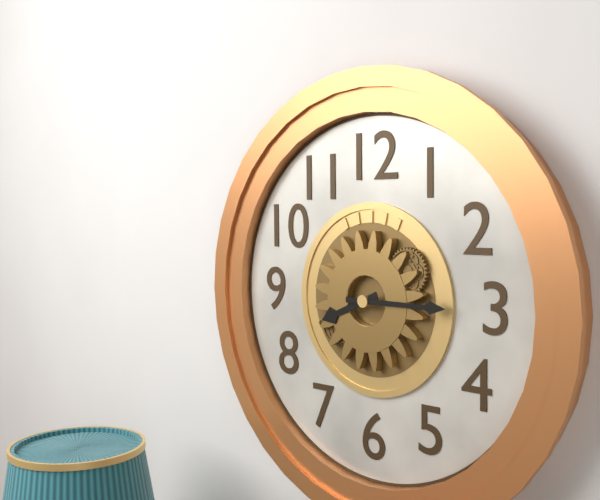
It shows 8 h 15 min
